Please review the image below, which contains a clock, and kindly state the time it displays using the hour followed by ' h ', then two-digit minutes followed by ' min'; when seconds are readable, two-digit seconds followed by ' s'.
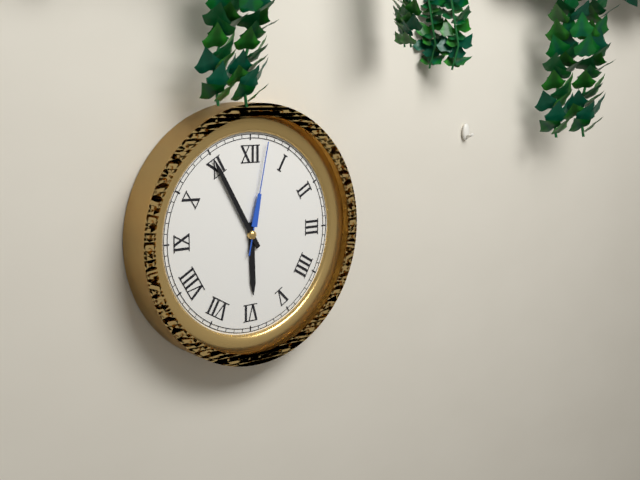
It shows 5 h 55 min 02 s
